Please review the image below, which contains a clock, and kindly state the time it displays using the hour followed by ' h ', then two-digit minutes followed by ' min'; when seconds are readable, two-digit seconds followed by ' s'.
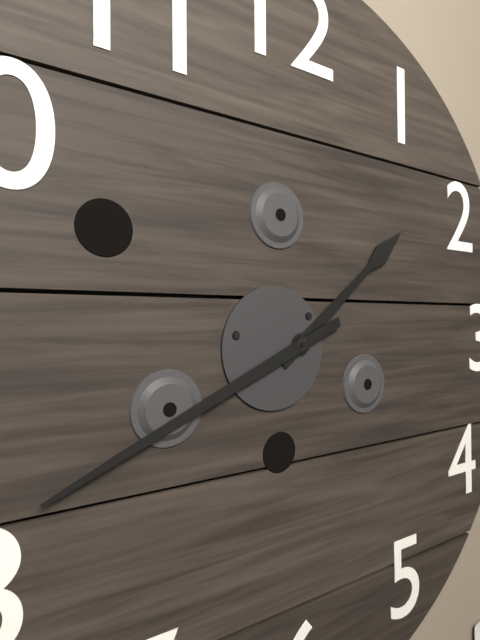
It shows 1 h 41 min
